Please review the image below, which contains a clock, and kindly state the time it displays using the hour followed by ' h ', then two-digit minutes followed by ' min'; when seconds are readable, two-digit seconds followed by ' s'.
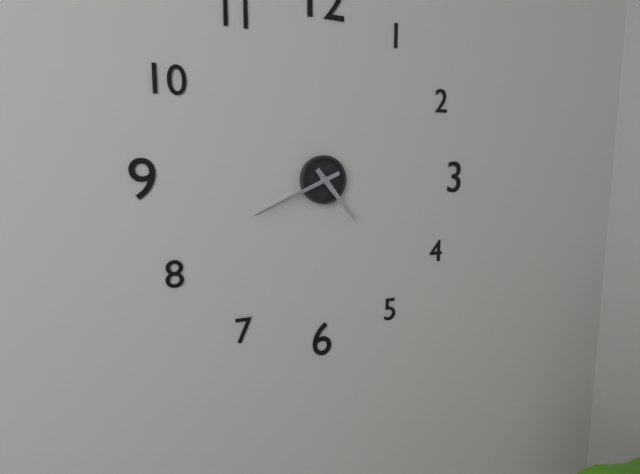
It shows 4 h 41 min
